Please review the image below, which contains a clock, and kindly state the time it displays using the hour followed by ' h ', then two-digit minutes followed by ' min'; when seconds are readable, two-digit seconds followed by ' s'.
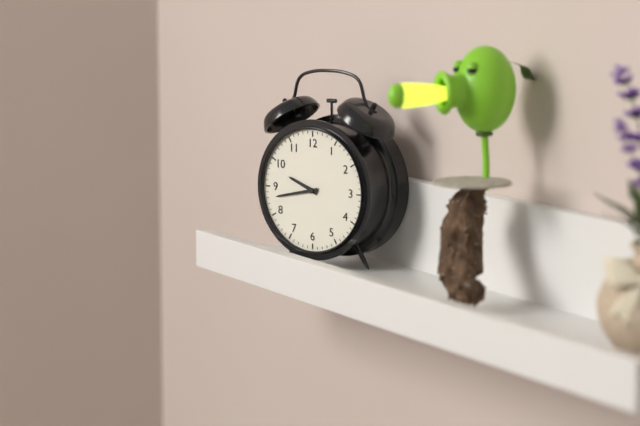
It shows 9 h 43 min
